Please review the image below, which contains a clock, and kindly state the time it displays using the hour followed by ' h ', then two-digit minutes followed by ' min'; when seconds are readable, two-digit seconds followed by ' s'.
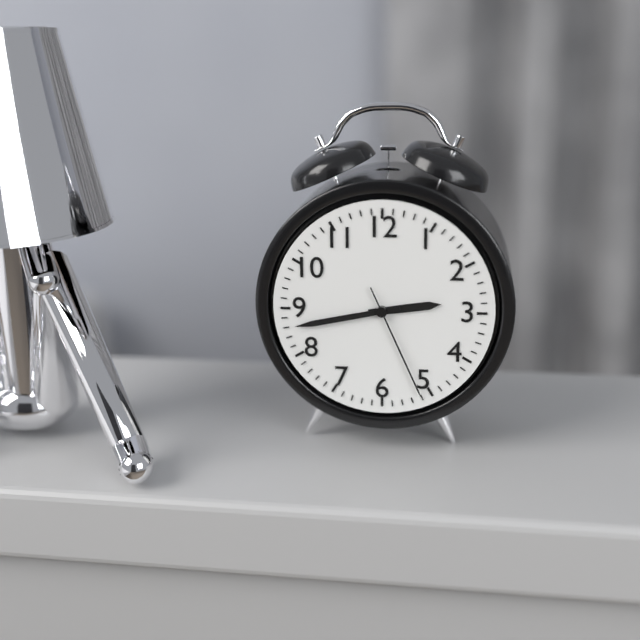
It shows 2 h 43 min 26 s
